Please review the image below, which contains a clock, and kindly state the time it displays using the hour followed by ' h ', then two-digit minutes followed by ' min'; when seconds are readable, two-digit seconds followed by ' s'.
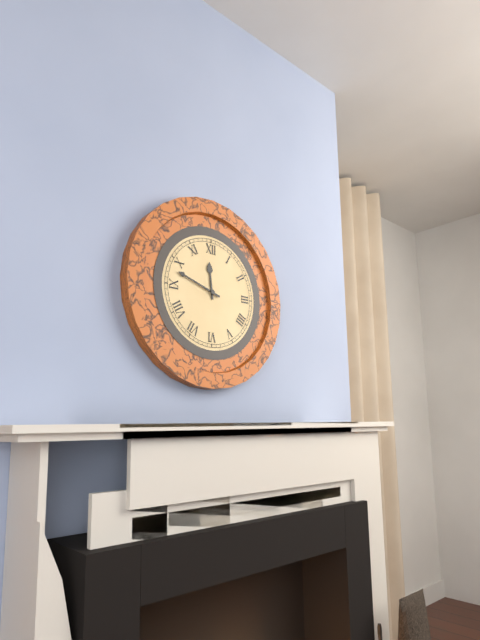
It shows 11 h 48 min
